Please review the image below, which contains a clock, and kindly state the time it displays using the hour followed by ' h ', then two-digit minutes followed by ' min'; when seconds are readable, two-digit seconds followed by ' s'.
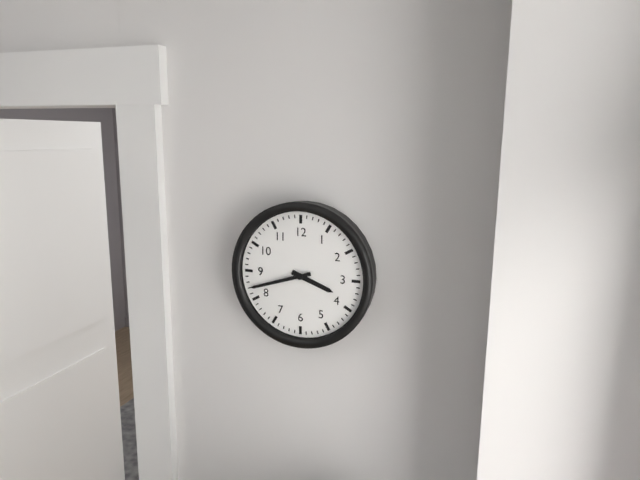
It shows 3 h 42 min
